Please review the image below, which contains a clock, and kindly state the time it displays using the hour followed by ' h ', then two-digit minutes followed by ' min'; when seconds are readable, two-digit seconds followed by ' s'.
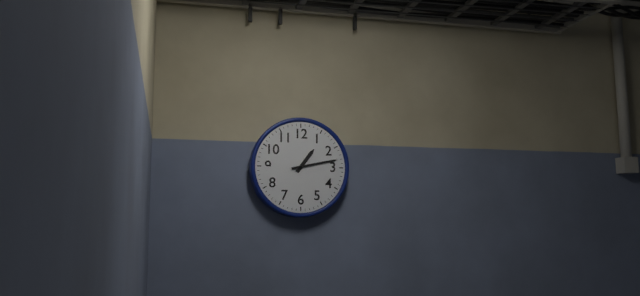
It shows 1 h 13 min
